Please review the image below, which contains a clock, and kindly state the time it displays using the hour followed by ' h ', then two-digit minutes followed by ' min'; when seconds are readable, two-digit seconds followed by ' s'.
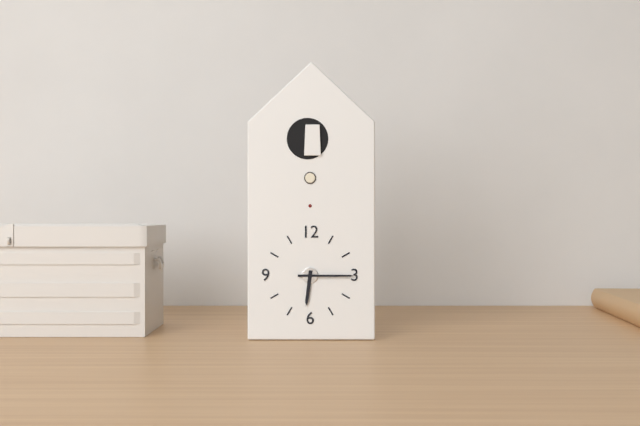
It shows 6 h 15 min
